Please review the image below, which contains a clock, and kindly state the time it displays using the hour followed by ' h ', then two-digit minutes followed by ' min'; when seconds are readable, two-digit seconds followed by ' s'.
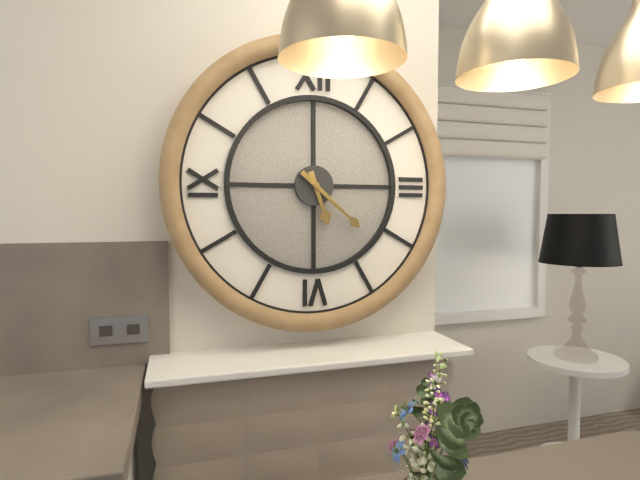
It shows 5 h 22 min
